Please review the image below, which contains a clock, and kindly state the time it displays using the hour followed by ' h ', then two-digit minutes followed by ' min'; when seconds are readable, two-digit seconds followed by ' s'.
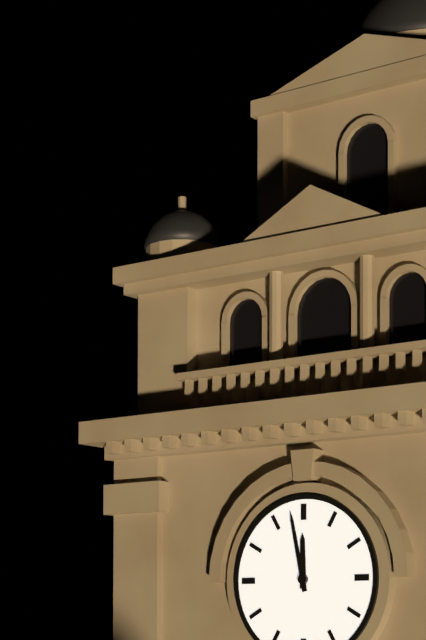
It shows 11 h 58 min
